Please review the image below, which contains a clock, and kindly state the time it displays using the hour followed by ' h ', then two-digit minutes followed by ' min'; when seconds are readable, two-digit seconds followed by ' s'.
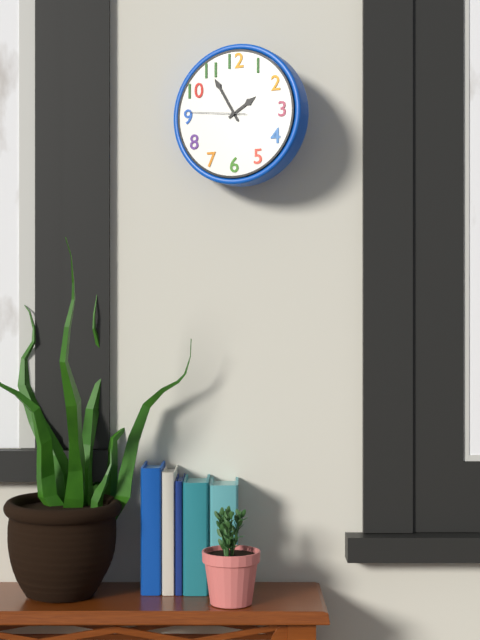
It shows 1 h 55 min 46 s
